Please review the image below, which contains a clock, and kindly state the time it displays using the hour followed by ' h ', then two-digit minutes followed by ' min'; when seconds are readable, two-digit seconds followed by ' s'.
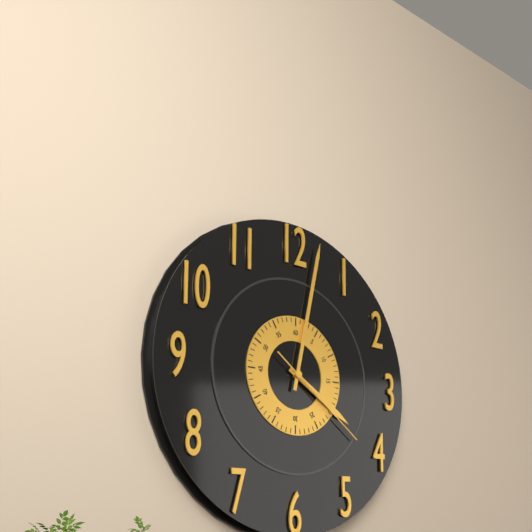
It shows 4 h 02 min 21 s
